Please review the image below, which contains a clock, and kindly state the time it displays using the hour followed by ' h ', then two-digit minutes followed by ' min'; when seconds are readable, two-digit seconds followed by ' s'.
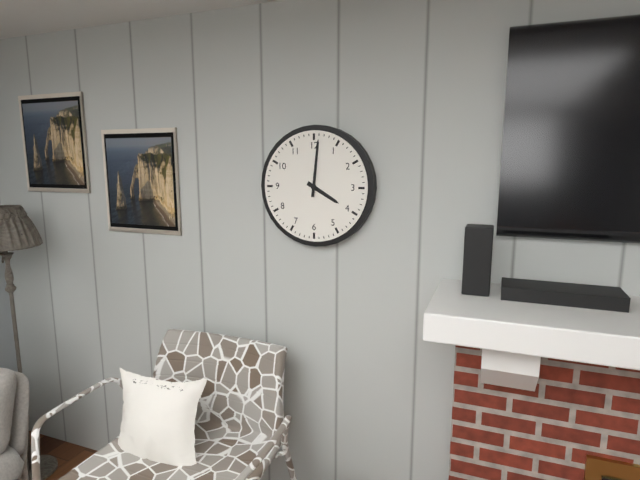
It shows 4 h 01 min
